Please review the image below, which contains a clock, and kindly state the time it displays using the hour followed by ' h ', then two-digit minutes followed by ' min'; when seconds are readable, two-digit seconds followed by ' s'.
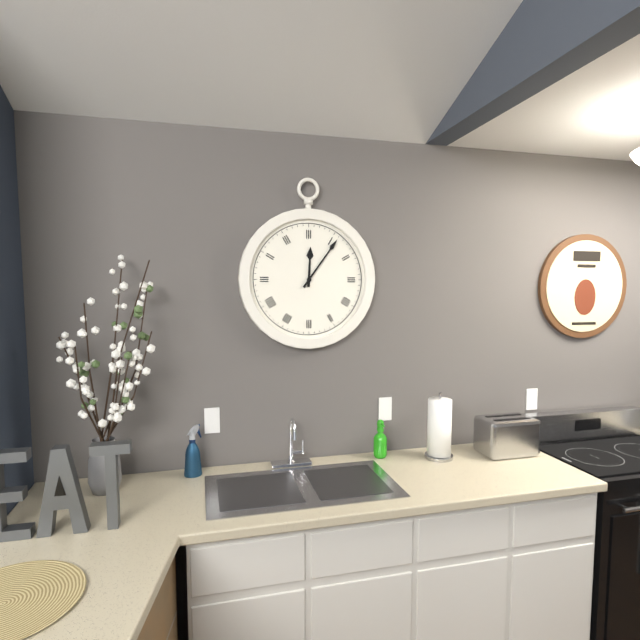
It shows 12 h 06 min
